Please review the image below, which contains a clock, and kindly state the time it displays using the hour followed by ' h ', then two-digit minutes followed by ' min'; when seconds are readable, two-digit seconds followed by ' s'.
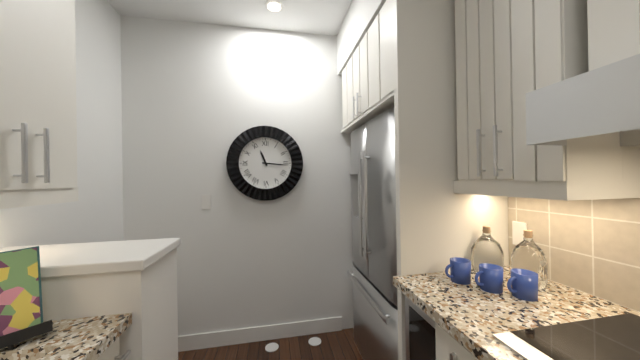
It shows 11 h 16 min
